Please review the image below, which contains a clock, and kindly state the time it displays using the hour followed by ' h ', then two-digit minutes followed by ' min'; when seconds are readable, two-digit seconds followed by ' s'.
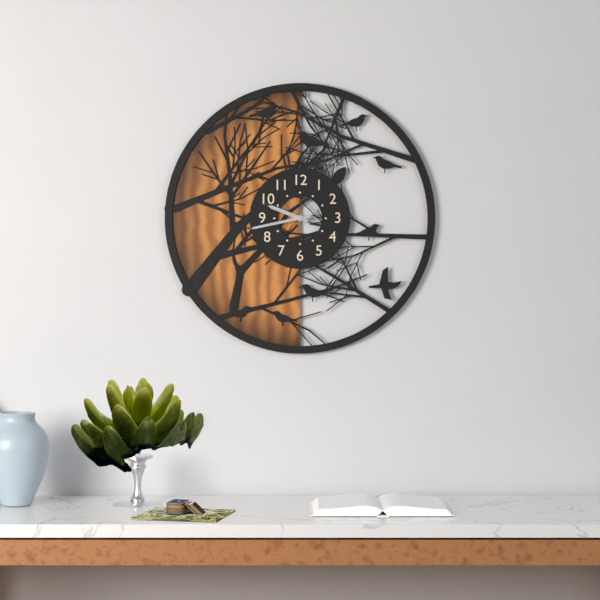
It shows 9 h 43 min
